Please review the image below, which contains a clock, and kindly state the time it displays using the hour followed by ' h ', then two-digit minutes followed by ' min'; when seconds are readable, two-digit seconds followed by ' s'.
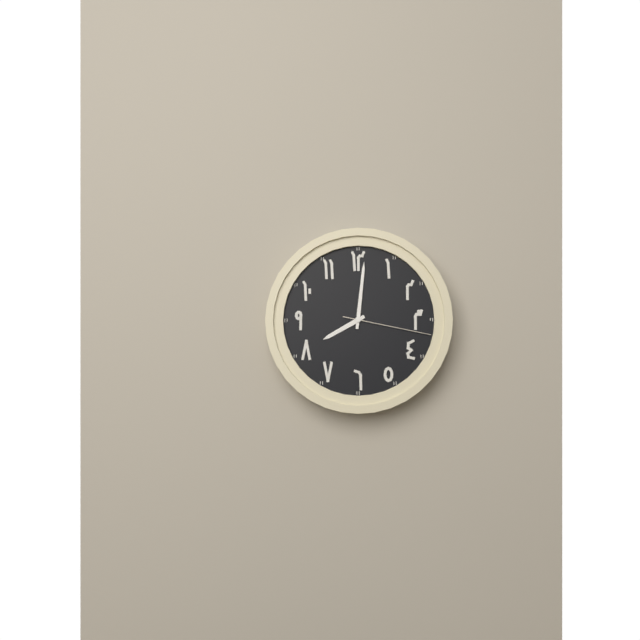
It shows 8 h 01 min 17 s
